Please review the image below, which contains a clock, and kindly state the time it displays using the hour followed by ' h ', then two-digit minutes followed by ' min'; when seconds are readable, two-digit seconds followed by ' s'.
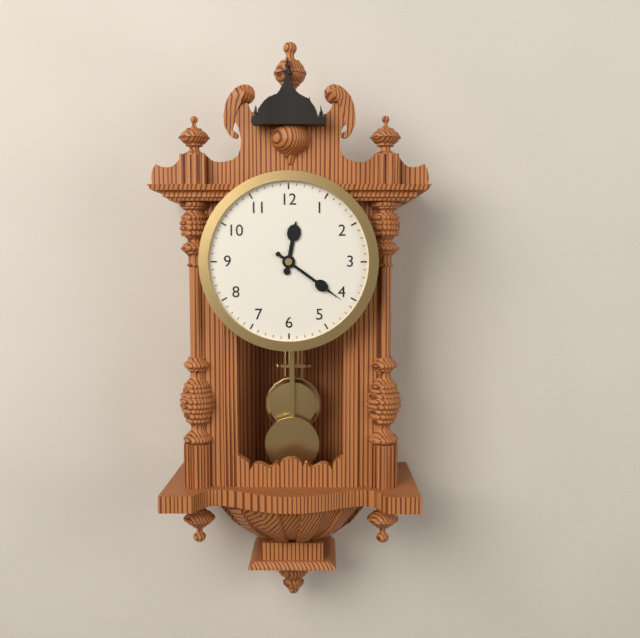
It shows 12 h 21 min
